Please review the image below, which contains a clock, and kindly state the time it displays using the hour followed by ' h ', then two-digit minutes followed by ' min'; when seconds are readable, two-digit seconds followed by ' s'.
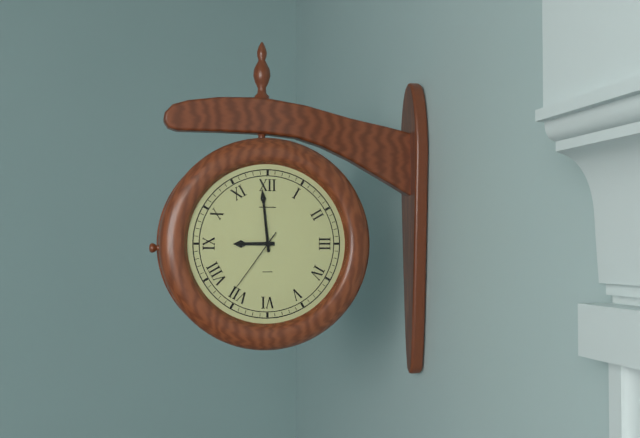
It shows 8 h 59 min 36 s
